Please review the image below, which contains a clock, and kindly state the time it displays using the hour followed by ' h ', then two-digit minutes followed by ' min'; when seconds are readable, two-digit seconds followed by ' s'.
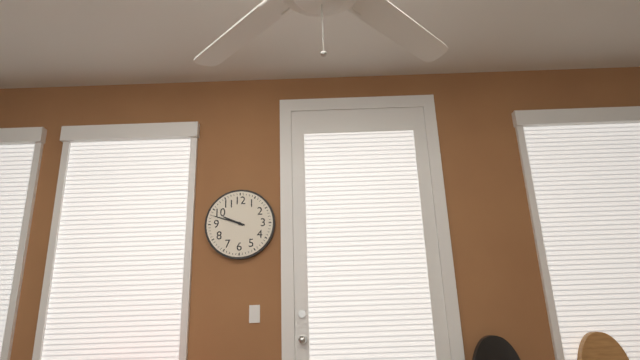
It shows 9 h 48 min
